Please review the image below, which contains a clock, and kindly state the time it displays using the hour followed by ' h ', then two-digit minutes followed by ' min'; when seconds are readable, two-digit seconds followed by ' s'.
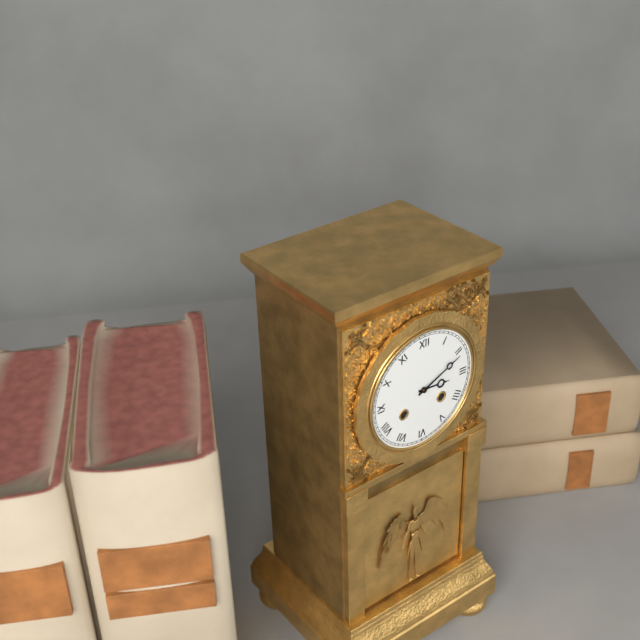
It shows 3 h 11 min
